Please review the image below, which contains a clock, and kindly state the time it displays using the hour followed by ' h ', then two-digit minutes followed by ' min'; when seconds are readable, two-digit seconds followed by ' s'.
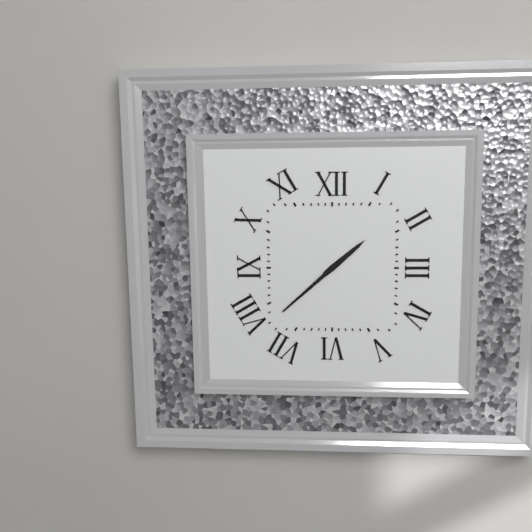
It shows 1 h 38 min
